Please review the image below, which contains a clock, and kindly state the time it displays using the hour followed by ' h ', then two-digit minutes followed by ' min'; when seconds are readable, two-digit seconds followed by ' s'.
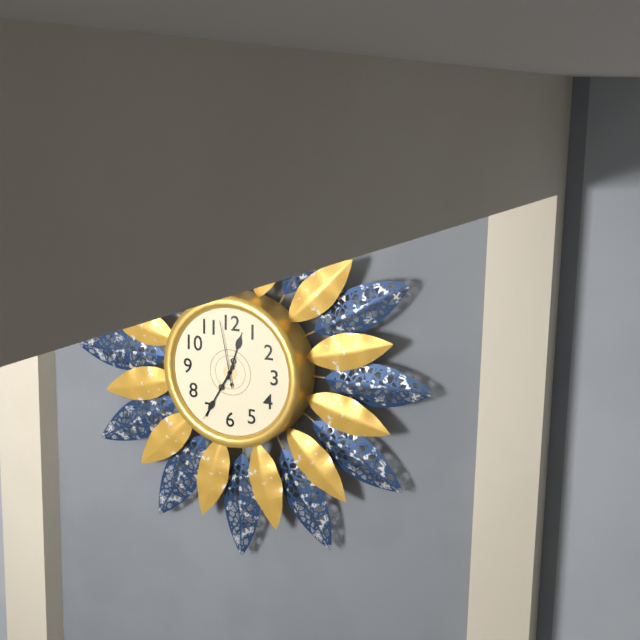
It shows 12 h 35 min 58 s
